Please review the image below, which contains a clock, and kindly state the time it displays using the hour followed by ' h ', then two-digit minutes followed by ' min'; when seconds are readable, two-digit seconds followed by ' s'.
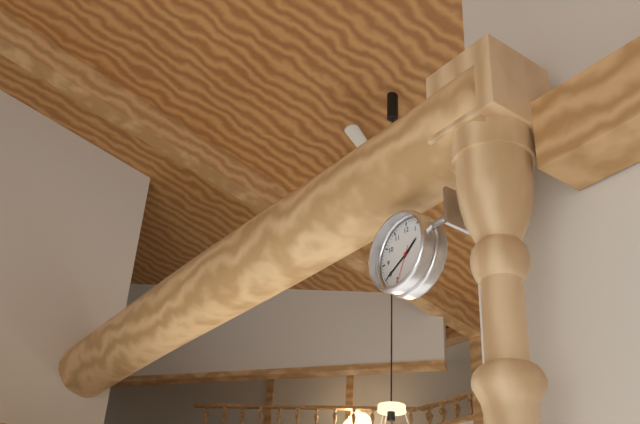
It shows 1 h 40 min
